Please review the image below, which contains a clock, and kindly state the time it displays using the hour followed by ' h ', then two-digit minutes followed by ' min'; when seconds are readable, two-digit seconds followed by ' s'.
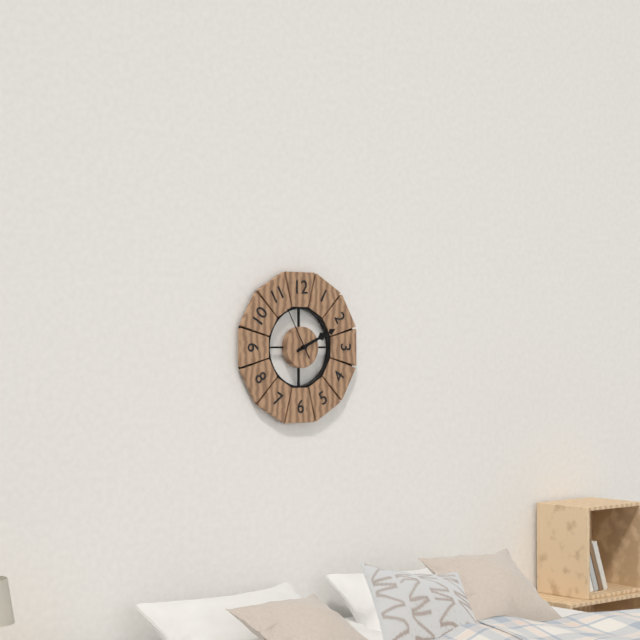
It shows 2 h 11 min 55 s
